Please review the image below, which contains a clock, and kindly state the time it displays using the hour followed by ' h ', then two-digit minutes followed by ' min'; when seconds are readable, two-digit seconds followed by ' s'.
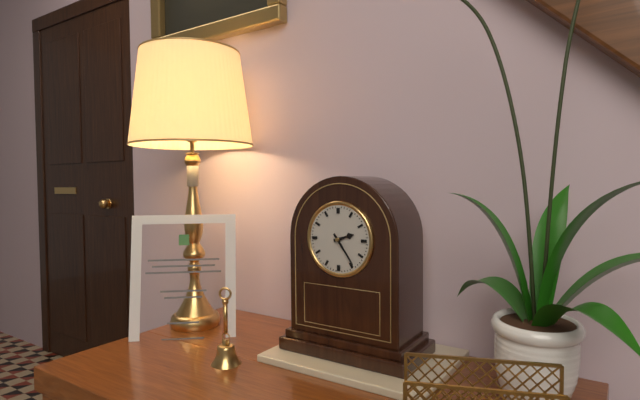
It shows 2 h 24 min
